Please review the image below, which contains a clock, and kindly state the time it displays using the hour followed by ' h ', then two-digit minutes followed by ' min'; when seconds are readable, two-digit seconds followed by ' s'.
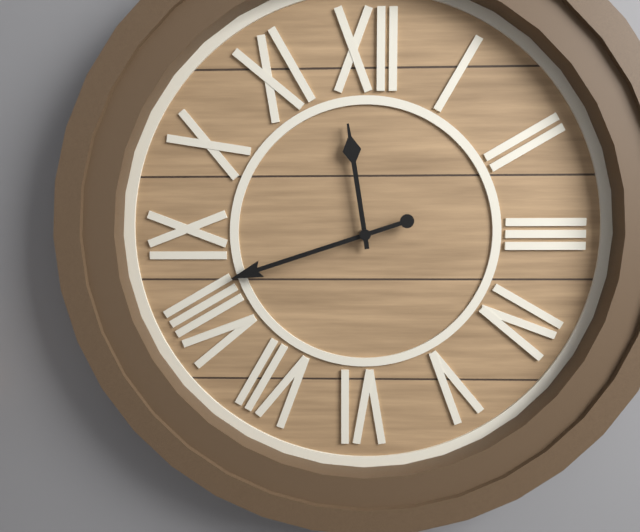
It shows 11 h 42 min
